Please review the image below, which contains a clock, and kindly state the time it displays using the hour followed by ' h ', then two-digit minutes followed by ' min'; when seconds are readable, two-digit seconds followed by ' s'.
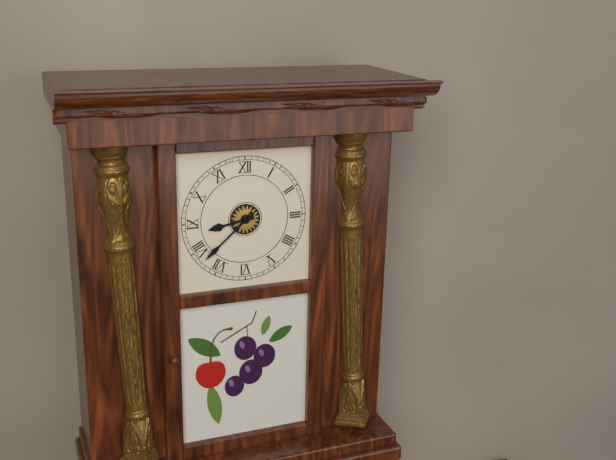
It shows 8 h 38 min
